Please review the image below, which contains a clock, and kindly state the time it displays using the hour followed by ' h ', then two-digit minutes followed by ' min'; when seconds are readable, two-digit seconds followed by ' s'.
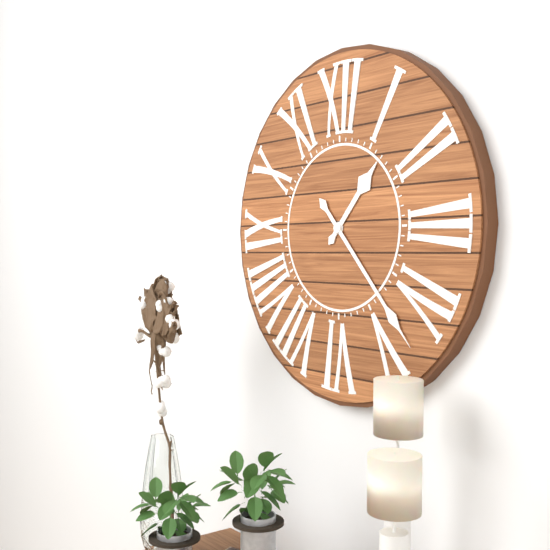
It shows 1 h 23 min
